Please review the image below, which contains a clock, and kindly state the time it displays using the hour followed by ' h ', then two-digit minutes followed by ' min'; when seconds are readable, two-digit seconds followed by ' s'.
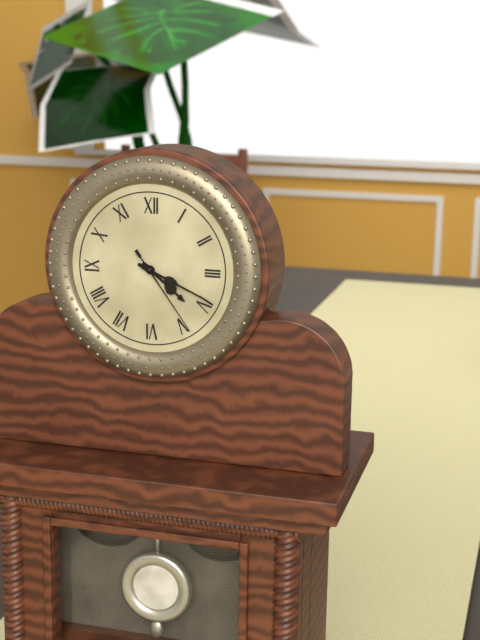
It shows 4 h 19 min 24 s
